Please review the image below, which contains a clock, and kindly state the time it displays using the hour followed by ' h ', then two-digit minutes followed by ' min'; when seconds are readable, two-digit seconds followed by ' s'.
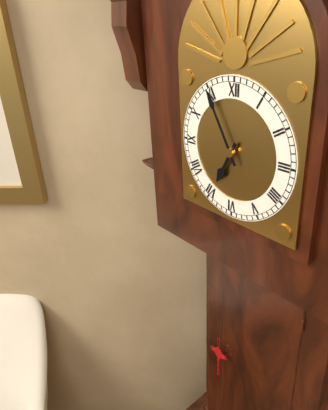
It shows 6 h 55 min
